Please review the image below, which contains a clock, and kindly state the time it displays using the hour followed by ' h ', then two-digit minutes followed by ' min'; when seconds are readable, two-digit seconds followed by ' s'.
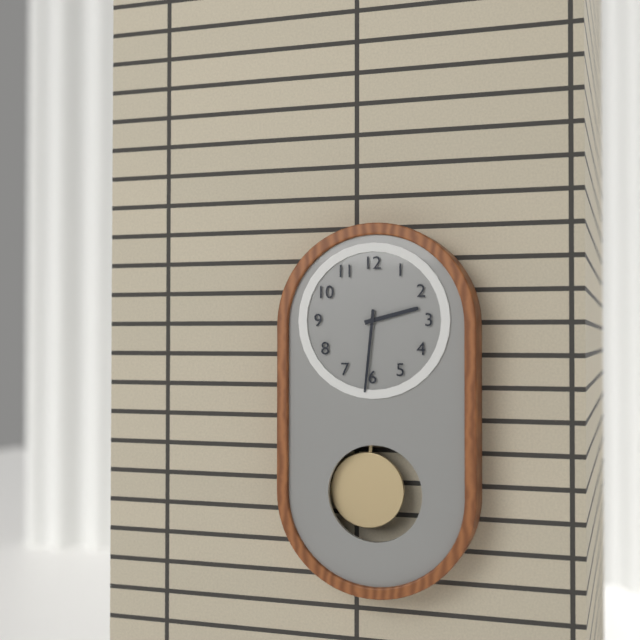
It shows 2 h 31 min
